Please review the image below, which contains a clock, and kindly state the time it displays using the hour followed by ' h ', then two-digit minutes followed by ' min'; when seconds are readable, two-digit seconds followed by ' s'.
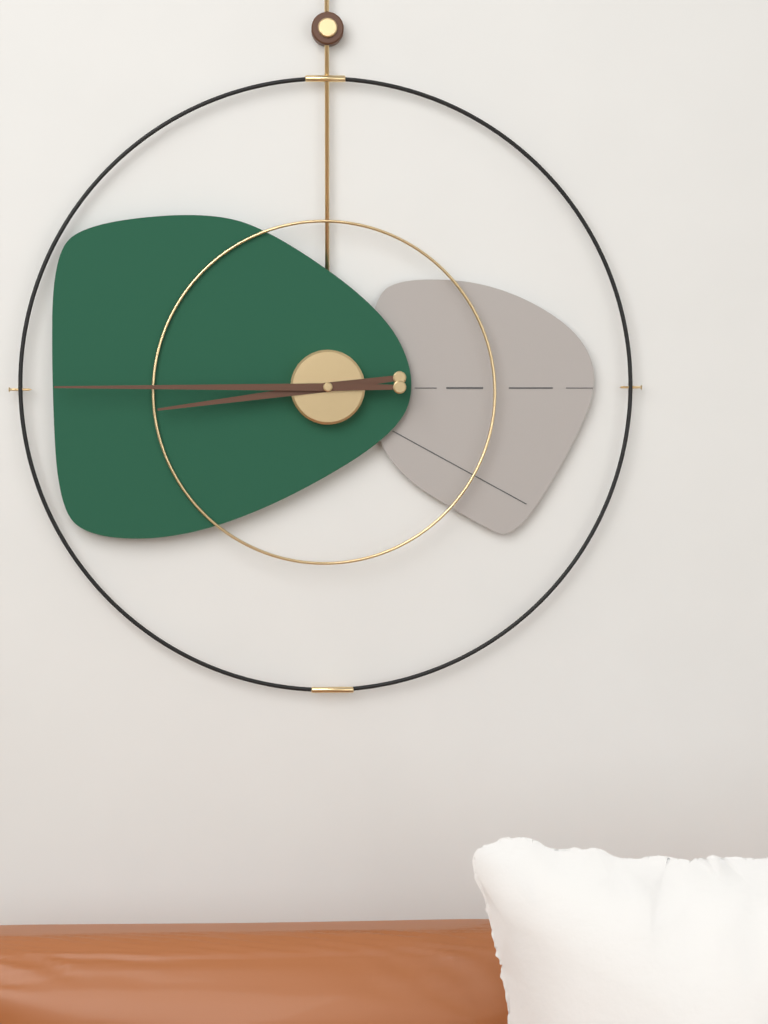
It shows 8 h 45 min
